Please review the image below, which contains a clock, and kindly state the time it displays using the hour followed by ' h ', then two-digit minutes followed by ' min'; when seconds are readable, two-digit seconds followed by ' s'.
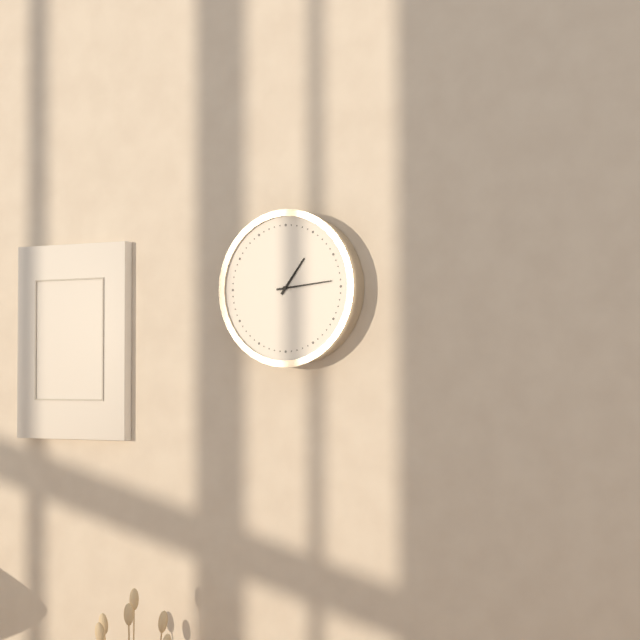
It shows 1 h 14 min
